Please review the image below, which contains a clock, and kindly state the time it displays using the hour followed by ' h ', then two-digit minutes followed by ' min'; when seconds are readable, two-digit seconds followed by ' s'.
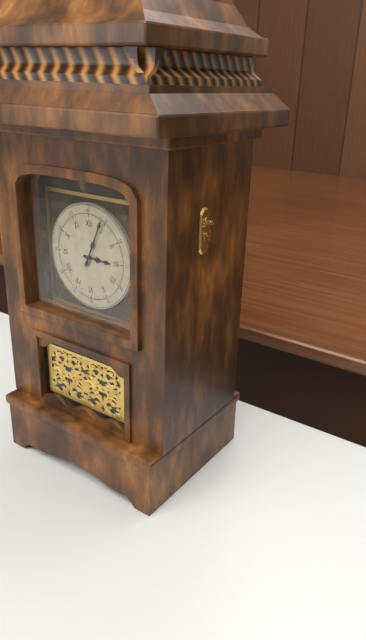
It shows 3 h 04 min
